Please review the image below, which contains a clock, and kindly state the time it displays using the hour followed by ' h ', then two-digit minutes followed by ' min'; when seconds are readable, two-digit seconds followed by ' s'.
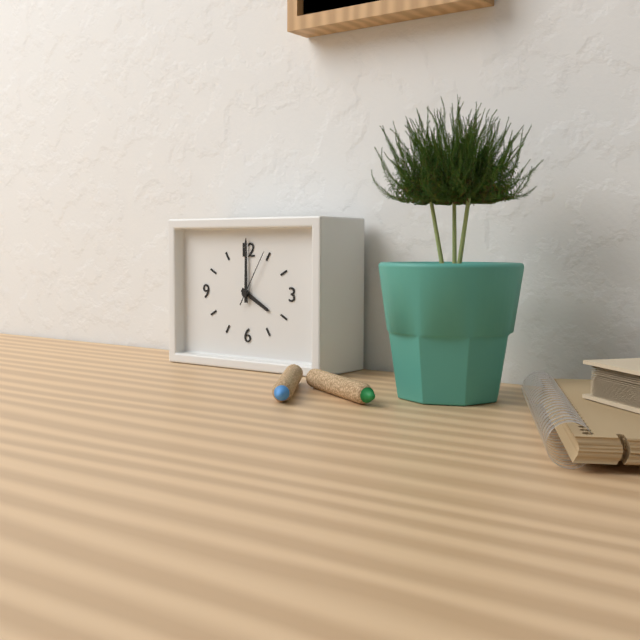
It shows 4 h 00 min 05 s
